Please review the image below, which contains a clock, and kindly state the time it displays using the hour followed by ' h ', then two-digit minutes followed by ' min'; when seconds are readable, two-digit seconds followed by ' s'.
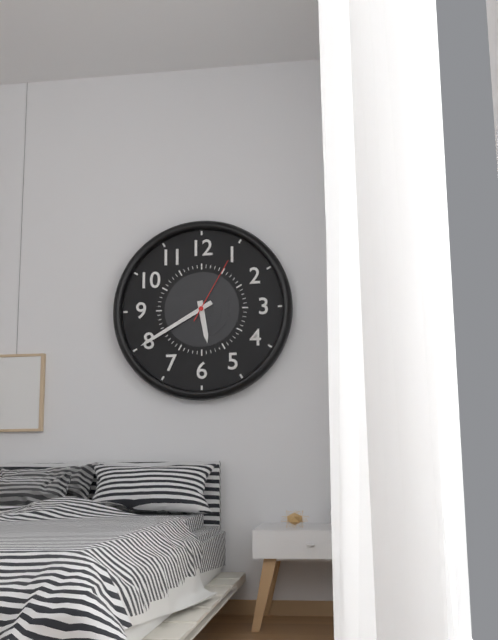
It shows 5 h 40 min 05 s
